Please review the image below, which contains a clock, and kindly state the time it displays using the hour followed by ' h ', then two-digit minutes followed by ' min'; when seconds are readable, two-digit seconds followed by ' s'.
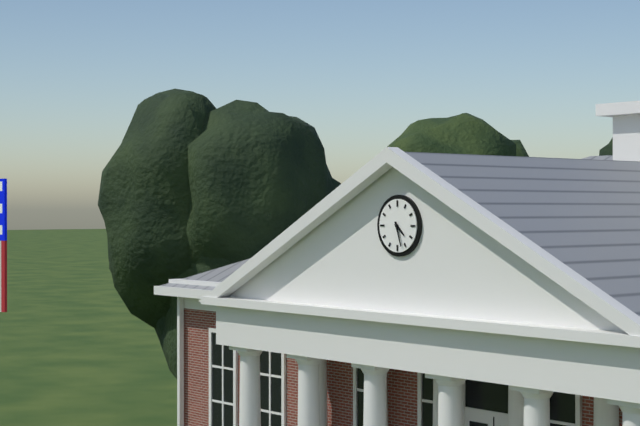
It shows 4 h 27 min
